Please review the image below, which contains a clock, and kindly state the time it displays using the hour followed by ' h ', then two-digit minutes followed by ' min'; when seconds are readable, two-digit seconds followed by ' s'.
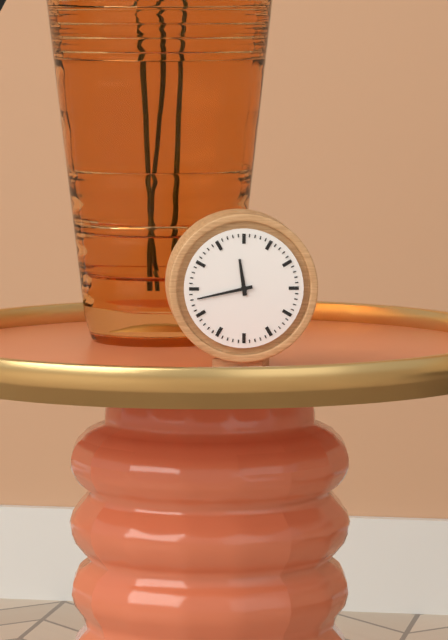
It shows 11 h 43 min
